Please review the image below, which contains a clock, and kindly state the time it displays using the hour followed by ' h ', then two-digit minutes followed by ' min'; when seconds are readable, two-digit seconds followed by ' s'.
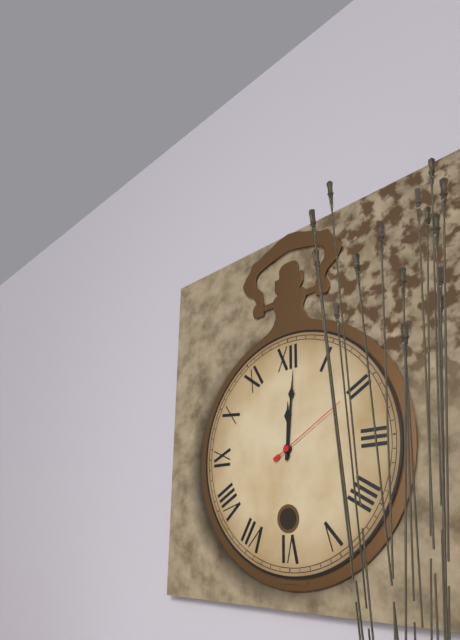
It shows 12 h 01 min 10 s
